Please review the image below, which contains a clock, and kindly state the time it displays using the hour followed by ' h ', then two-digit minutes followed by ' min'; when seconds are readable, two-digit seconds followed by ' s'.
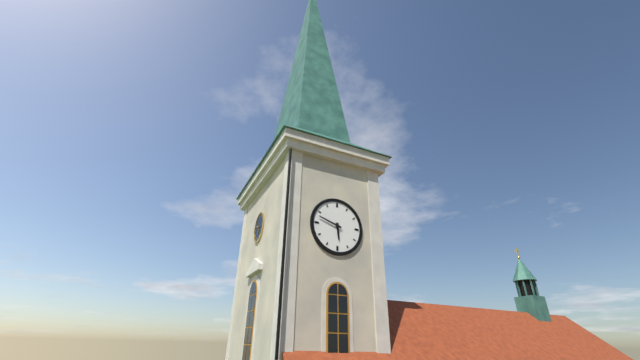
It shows 5 h 48 min
